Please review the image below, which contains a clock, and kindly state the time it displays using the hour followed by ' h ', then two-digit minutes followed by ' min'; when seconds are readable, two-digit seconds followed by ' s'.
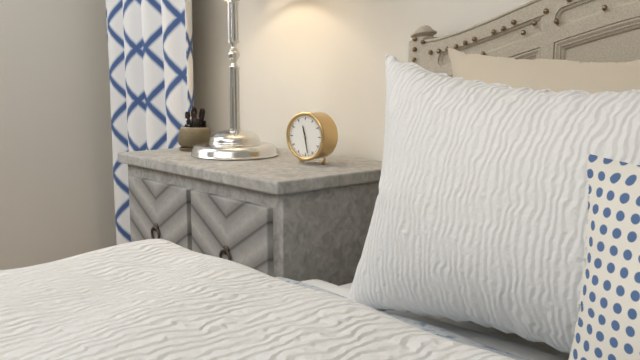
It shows 11 h 28 min
